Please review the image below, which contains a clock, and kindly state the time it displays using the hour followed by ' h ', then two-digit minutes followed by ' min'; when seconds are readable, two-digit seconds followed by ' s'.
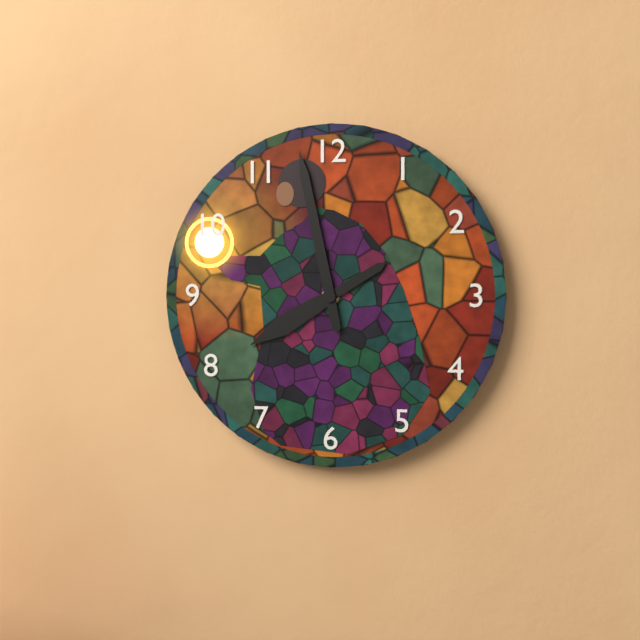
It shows 7 h 58 min
